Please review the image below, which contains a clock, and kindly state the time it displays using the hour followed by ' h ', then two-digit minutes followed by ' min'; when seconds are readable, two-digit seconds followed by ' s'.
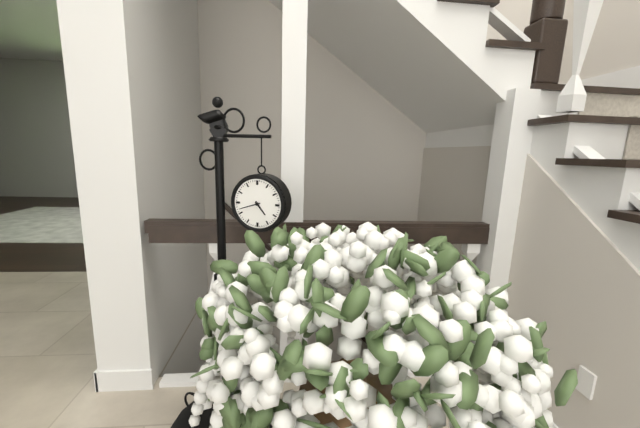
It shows 4 h 42 min
